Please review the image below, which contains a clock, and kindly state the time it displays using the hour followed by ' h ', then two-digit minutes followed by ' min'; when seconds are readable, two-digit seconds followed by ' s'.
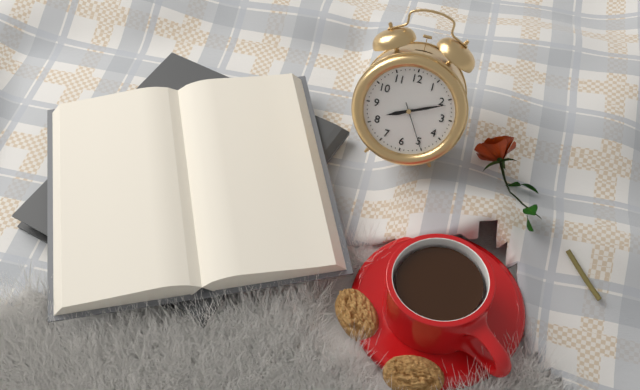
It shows 8 h 11 min
